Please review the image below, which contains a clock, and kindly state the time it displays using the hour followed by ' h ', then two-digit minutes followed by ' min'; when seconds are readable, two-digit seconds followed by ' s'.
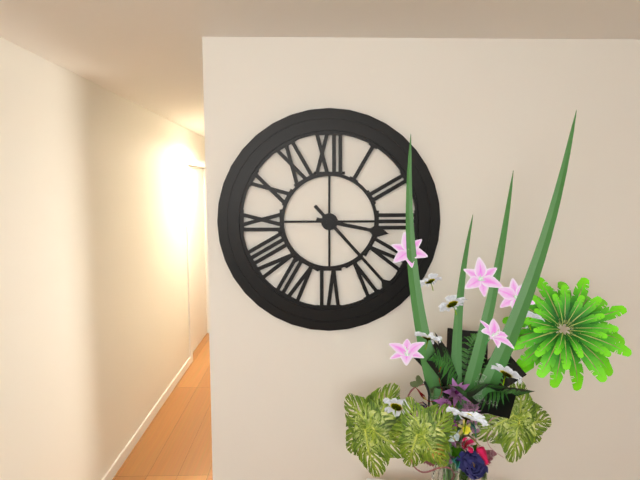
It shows 3 h 23 min
